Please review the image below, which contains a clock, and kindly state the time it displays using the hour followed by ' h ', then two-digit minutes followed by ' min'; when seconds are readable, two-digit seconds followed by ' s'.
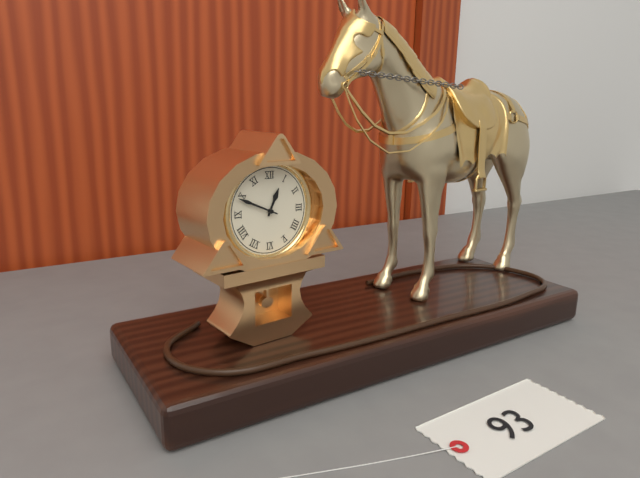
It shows 12 h 49 min
